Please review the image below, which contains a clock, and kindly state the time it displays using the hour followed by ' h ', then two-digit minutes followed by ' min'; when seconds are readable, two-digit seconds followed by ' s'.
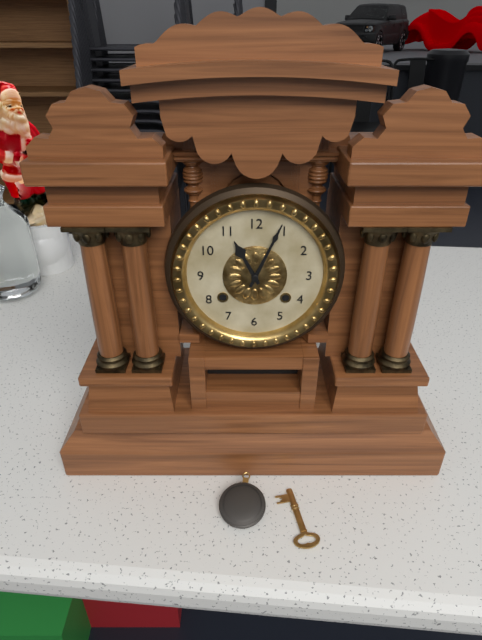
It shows 11 h 04 min
